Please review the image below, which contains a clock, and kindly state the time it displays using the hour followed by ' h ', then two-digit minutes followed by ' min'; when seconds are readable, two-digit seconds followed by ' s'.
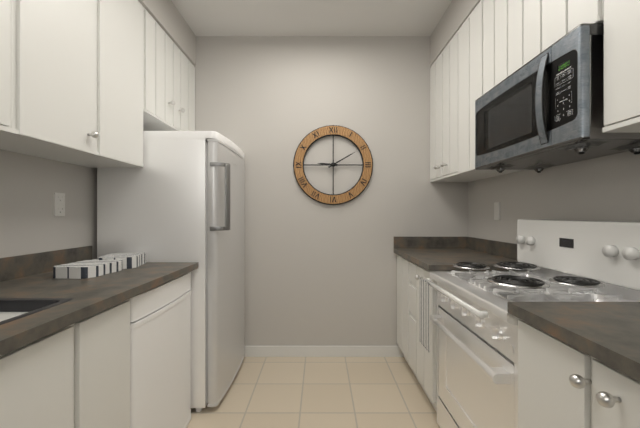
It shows 9 h 10 min
